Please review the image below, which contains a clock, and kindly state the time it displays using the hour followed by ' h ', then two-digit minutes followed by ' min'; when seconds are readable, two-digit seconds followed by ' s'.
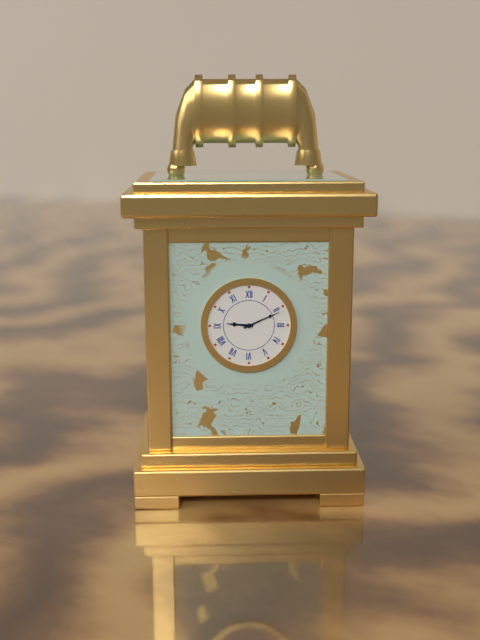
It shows 9 h 11 min
